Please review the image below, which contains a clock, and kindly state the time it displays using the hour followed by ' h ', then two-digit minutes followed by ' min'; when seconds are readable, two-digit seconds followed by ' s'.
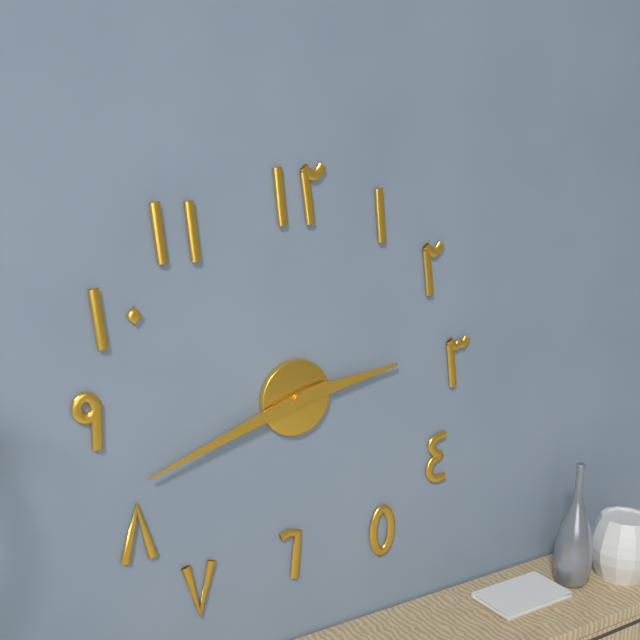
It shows 2 h 42 min
